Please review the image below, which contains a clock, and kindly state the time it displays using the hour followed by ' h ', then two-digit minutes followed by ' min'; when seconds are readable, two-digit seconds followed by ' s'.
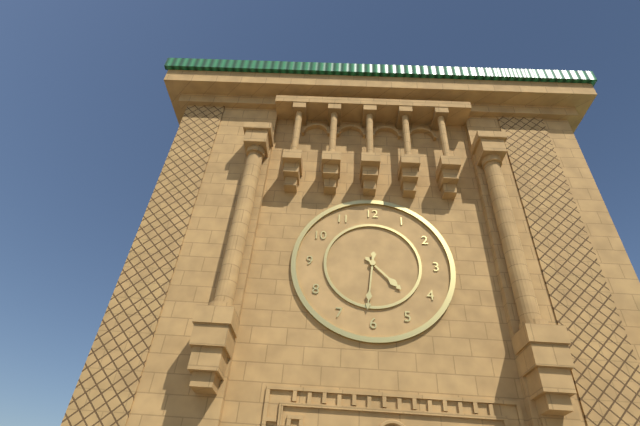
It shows 4 h 31 min
